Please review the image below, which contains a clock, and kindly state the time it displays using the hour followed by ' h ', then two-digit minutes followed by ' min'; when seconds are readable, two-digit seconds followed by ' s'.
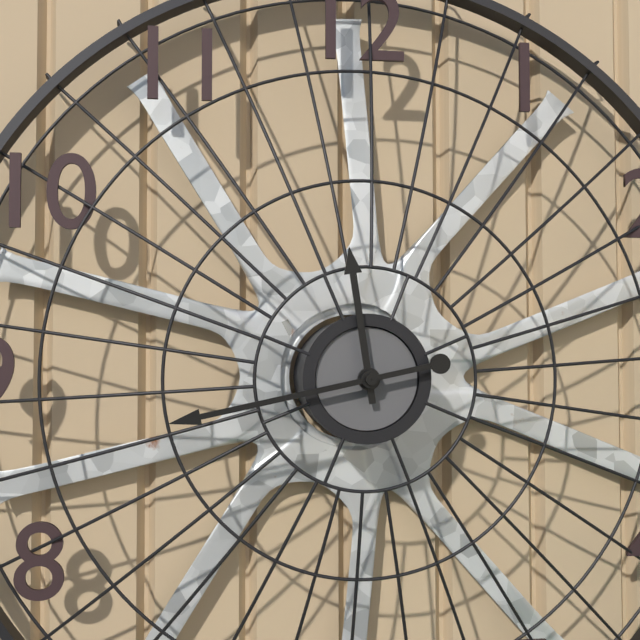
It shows 11 h 43 min
